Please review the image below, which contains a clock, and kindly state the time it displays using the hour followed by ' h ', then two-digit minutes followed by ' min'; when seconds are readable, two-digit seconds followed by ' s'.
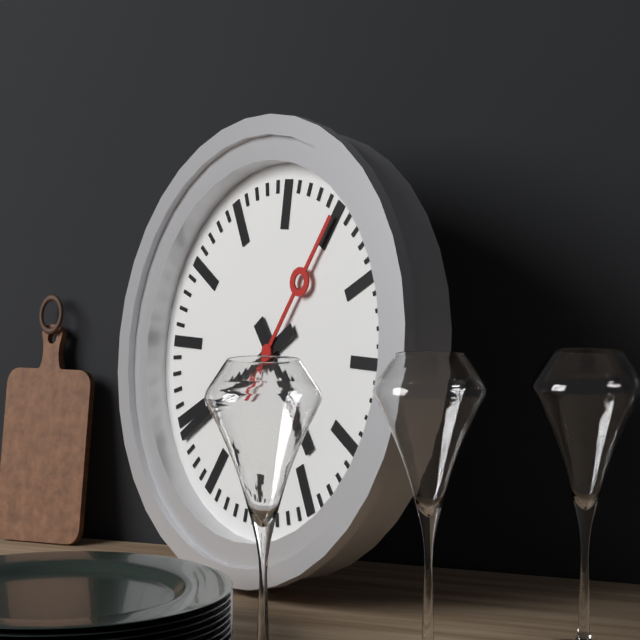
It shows 4 h 39 min 05 s
